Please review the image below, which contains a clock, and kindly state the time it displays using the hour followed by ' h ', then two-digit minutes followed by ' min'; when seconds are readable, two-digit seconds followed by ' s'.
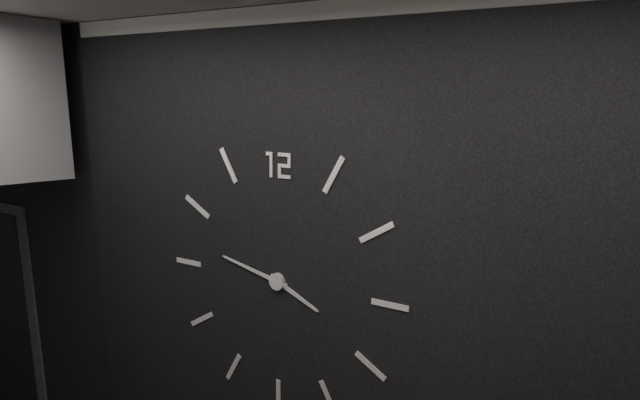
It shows 3 h 47 min
